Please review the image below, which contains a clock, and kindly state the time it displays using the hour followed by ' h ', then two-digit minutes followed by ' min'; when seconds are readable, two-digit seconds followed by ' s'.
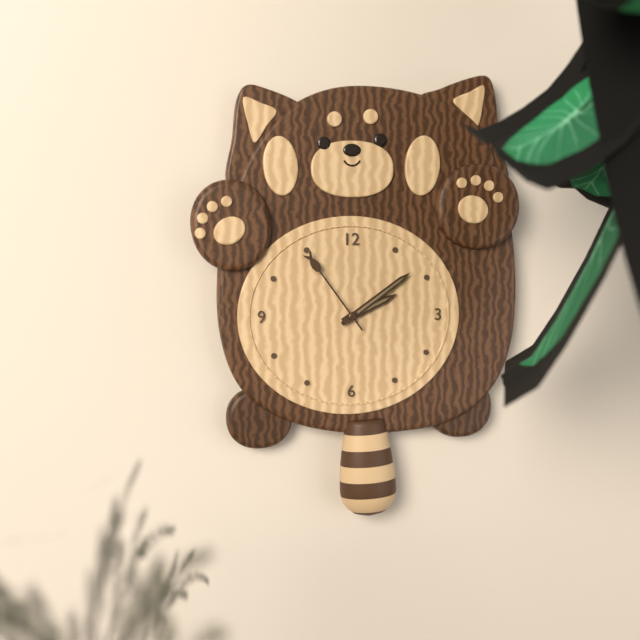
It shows 2 h 09 min 54 s
